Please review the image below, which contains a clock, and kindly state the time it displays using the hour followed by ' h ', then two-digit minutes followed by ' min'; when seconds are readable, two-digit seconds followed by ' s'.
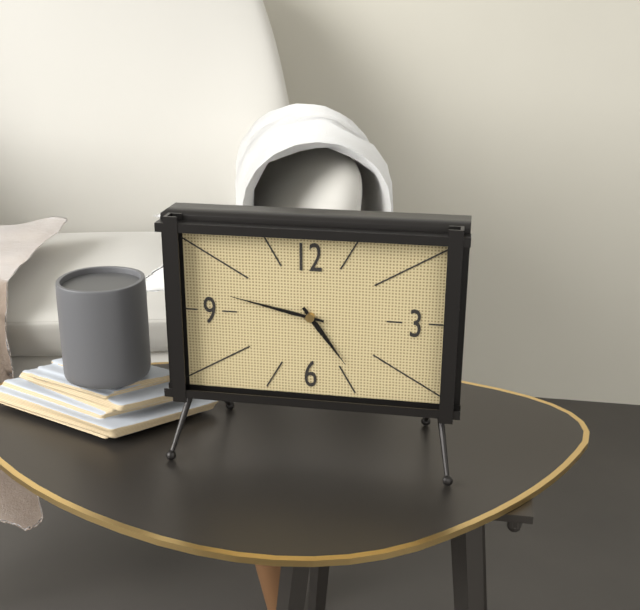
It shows 4 h 47 min
